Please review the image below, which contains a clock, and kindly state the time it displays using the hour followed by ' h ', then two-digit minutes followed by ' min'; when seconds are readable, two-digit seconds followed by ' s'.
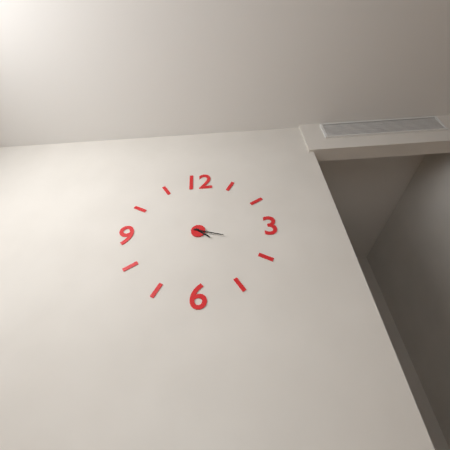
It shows 4 h 18 min
